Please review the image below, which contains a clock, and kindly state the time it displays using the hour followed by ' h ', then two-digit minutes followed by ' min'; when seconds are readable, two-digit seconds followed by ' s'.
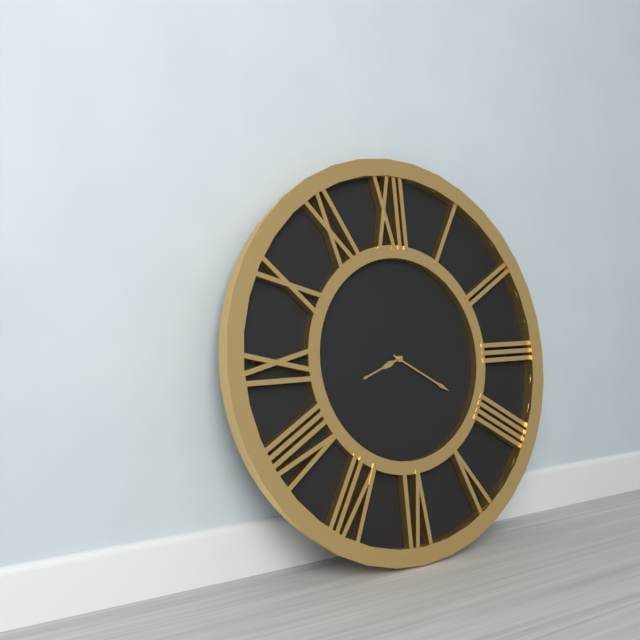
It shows 8 h 20 min
